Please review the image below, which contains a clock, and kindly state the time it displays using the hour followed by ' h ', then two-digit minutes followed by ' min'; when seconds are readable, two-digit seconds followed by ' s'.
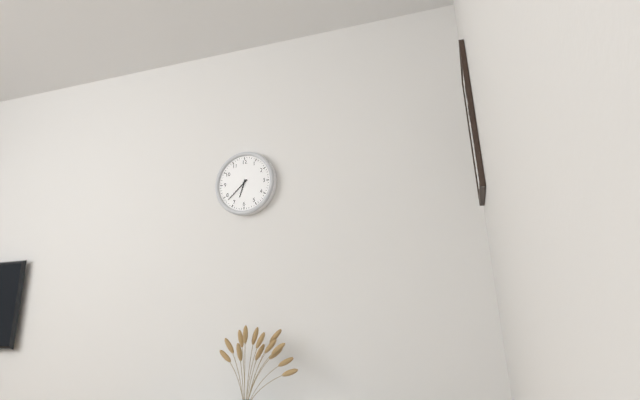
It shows 6 h 38 min
